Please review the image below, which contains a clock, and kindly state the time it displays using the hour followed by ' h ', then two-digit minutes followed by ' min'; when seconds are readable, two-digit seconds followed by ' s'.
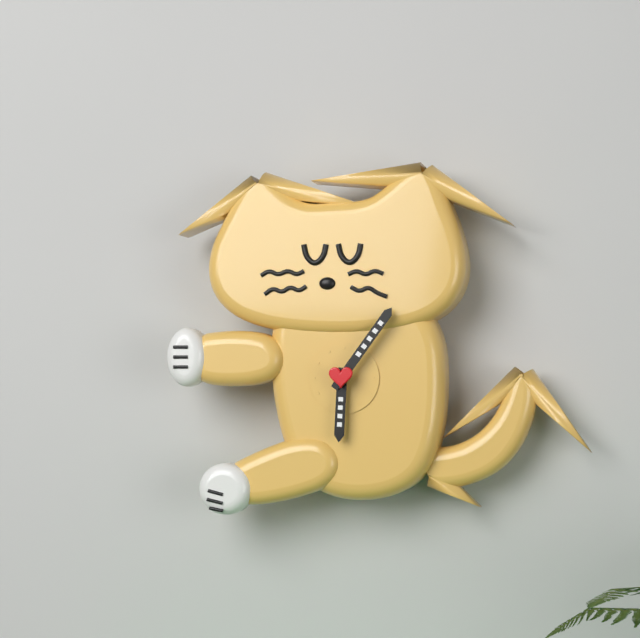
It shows 6 h 06 min
